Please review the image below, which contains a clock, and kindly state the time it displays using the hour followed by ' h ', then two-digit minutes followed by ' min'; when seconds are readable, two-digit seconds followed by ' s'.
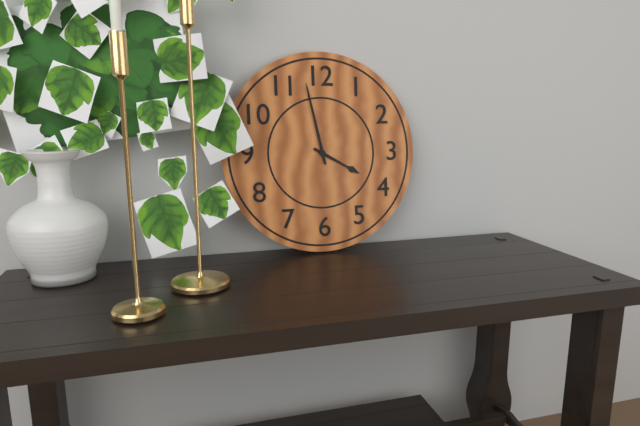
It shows 3 h 58 min
